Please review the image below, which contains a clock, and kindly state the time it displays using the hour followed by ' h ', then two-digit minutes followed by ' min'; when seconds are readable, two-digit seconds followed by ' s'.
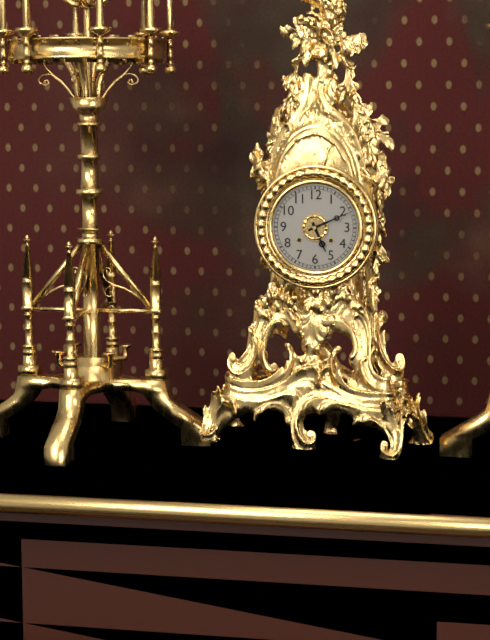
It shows 5 h 11 min
